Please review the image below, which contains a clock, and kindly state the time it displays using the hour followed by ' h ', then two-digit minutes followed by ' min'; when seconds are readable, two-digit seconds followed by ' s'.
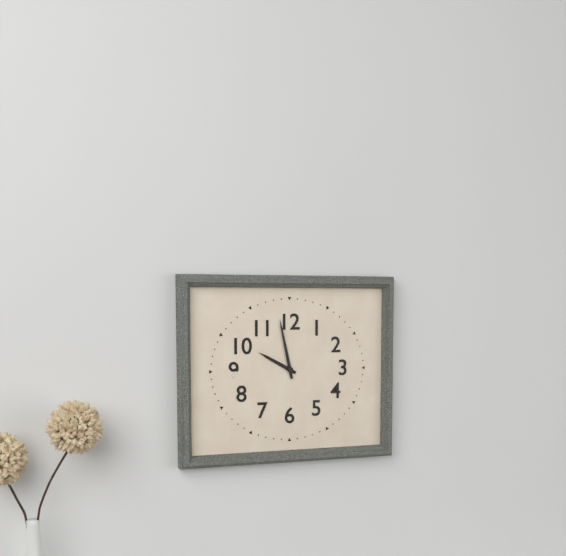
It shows 9 h 58 min
